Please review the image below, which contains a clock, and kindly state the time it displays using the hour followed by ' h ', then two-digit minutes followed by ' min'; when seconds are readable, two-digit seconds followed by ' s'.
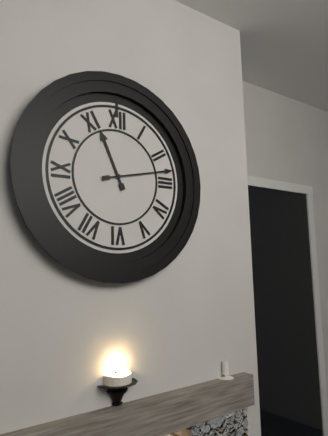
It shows 11 h 13 min
